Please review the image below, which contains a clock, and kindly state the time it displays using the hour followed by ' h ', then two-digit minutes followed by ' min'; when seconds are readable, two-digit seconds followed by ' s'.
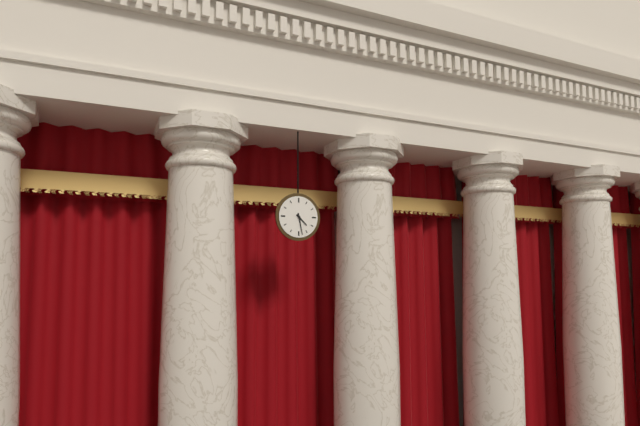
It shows 4 h 28 min
